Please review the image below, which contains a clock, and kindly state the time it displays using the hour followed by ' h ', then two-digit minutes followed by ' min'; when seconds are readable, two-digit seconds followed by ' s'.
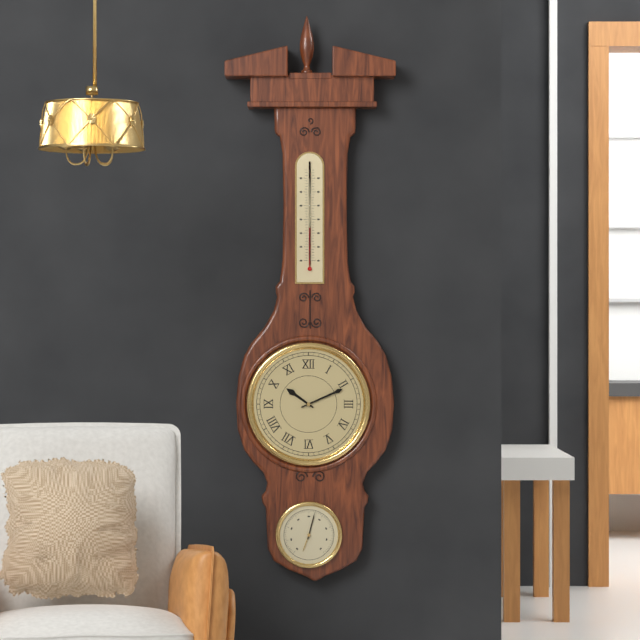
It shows 10 h 11 min
